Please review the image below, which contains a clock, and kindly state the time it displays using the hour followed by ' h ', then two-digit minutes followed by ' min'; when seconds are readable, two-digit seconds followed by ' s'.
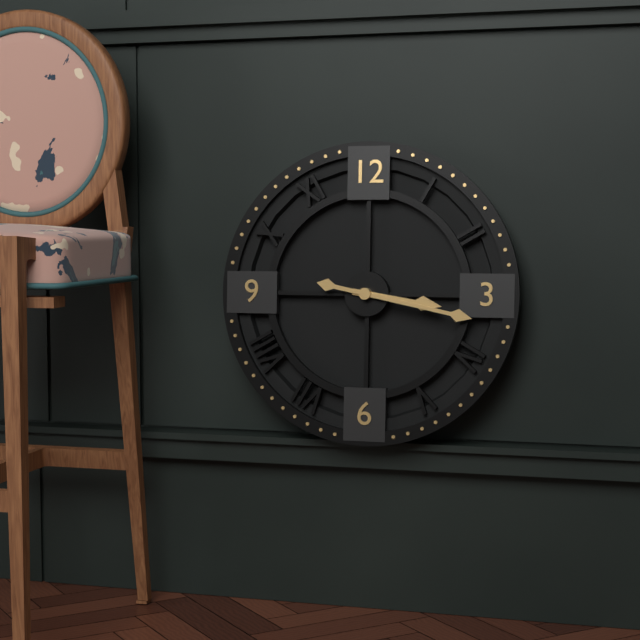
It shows 3 h 17 min
